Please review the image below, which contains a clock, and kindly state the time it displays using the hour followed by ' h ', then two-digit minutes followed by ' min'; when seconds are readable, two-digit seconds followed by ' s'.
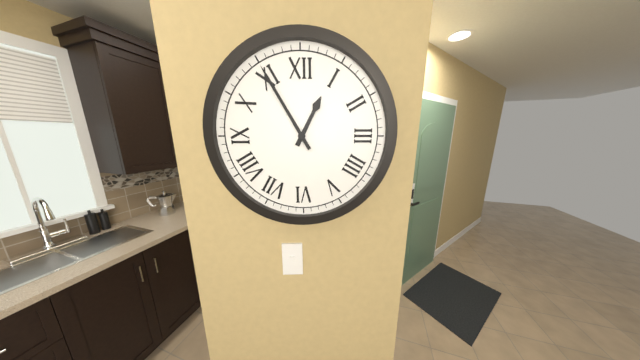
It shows 12 h 55 min
